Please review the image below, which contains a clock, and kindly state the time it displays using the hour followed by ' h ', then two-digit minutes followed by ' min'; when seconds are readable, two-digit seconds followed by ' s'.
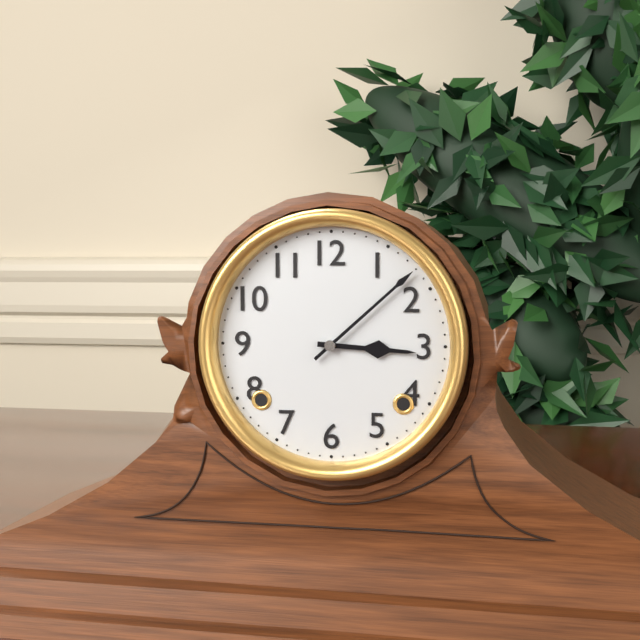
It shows 3 h 08 min
